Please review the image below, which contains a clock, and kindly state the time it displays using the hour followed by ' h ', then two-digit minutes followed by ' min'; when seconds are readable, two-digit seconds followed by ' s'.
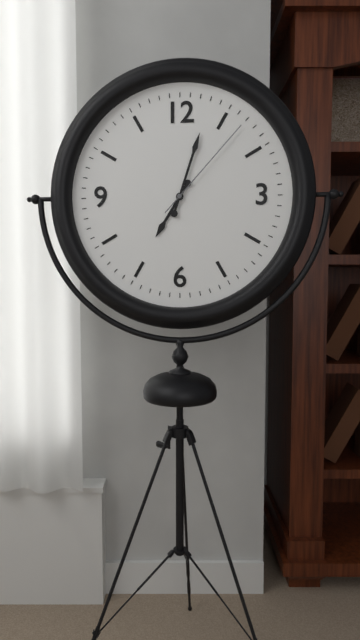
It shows 7 h 03 min 07 s
